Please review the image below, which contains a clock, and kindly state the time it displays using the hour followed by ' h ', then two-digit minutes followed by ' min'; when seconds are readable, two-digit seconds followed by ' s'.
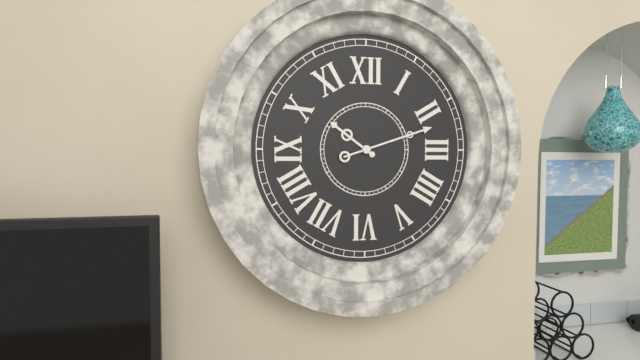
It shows 10 h 12 min
